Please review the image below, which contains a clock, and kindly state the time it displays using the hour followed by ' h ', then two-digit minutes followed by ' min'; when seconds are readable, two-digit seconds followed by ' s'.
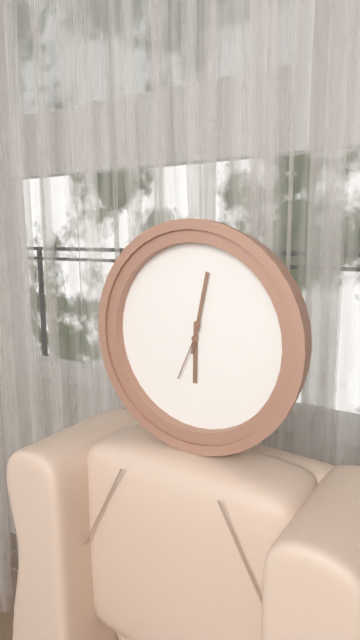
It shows 6 h 02 min 34 s
